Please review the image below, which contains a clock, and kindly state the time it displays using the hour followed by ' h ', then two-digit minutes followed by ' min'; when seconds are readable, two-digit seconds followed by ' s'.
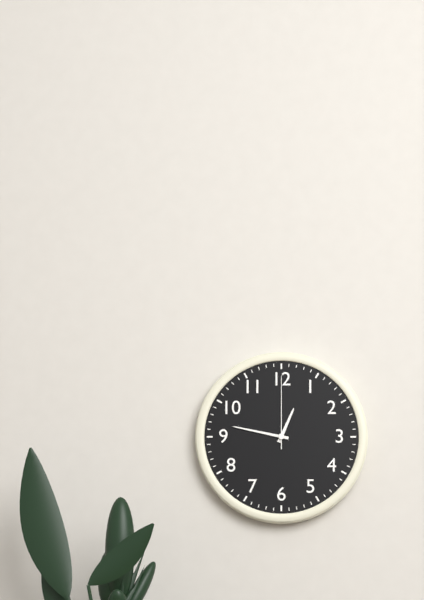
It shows 12 h 47 min 00 s
